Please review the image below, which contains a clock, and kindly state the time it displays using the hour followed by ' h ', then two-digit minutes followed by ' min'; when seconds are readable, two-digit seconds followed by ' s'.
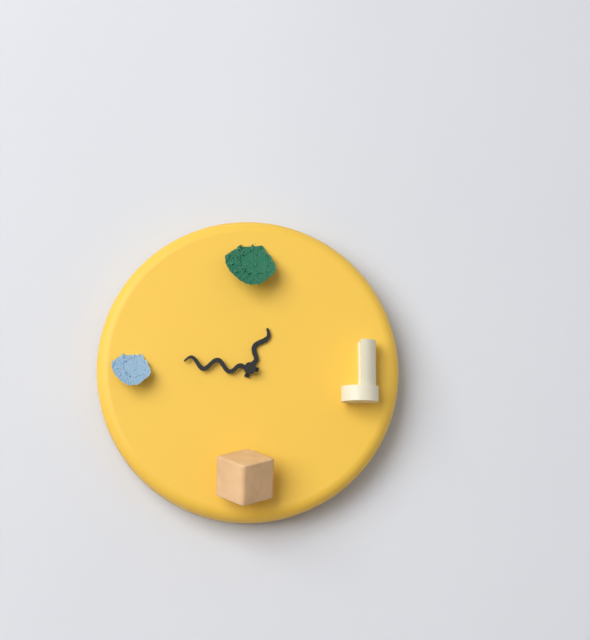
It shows 12 h 46 min
